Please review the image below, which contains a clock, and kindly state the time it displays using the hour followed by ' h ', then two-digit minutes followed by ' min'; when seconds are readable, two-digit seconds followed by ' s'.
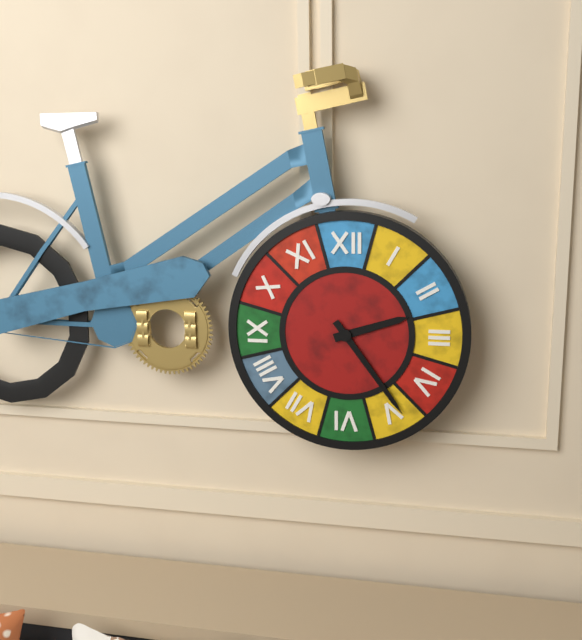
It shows 2 h 24 min
